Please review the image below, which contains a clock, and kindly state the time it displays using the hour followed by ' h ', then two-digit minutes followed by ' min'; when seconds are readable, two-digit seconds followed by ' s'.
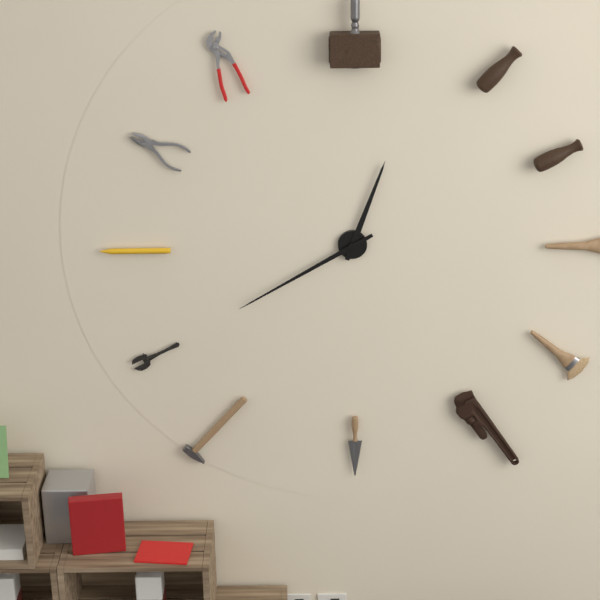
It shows 12 h 40 min
